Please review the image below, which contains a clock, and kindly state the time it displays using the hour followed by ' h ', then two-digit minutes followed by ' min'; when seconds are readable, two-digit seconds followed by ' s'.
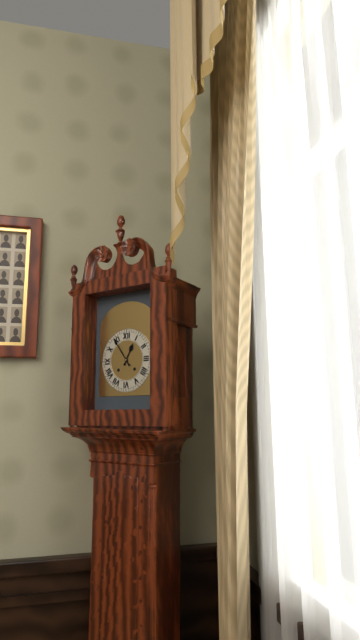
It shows 12 h 54 min
